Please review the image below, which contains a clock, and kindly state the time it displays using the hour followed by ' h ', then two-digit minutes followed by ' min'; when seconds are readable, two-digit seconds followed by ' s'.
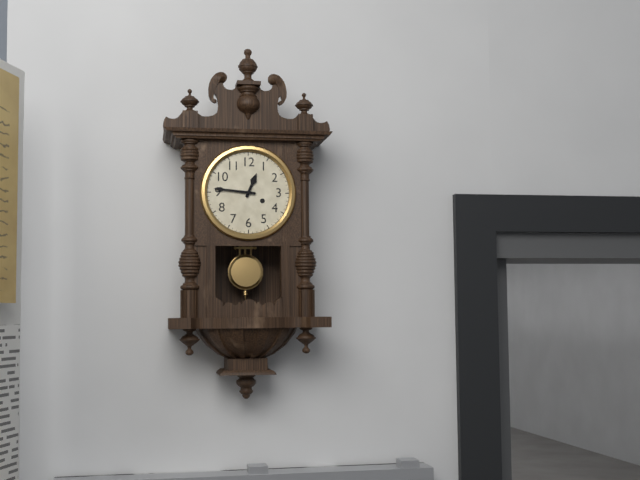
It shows 12 h 46 min
